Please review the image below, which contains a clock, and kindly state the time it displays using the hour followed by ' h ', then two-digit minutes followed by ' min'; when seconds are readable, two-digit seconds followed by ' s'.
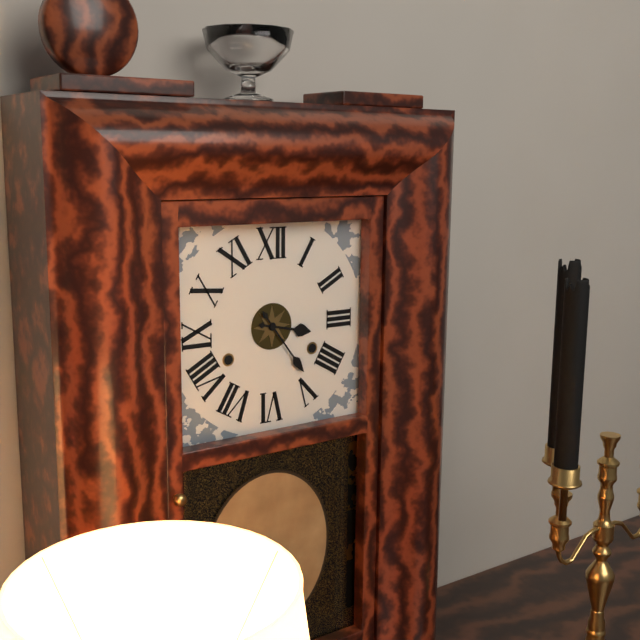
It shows 3 h 24 min
